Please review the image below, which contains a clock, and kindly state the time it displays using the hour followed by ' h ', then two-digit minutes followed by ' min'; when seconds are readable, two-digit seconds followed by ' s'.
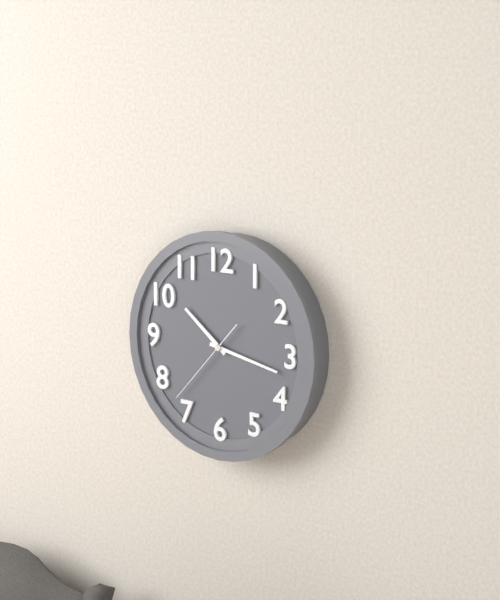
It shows 10 h 17 min 37 s
